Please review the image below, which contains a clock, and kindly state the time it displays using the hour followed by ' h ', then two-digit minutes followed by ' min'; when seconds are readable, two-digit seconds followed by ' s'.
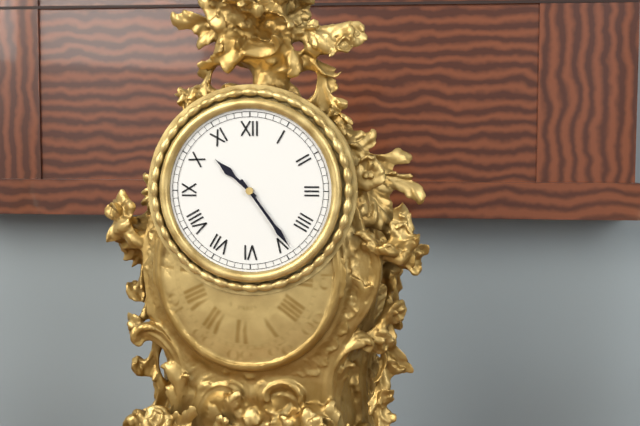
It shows 10 h 24 min
